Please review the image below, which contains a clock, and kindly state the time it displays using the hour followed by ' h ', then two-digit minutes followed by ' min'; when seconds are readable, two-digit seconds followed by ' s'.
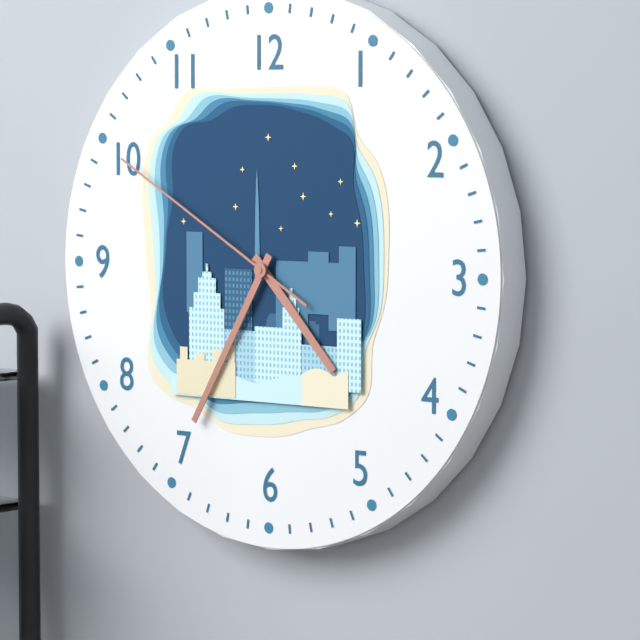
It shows 4 h 35 min 50 s
